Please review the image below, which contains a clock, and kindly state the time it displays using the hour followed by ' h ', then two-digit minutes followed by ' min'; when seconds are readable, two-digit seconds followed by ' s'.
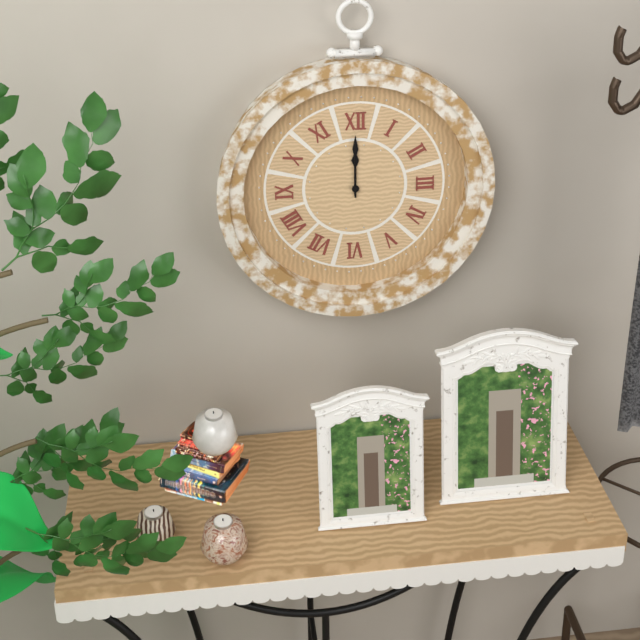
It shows 12 h 00 min
